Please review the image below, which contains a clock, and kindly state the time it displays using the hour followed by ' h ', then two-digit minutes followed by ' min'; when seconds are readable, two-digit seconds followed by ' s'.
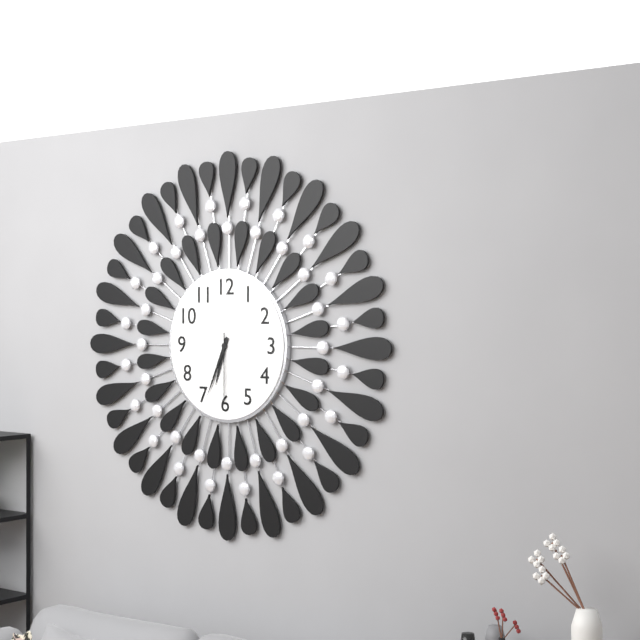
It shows 6 h 34 min 30 s
